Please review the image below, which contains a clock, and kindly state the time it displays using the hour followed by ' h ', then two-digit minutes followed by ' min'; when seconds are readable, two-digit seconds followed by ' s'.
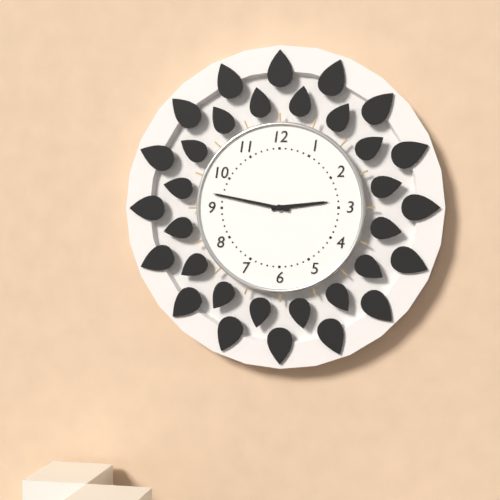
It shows 2 h 47 min
